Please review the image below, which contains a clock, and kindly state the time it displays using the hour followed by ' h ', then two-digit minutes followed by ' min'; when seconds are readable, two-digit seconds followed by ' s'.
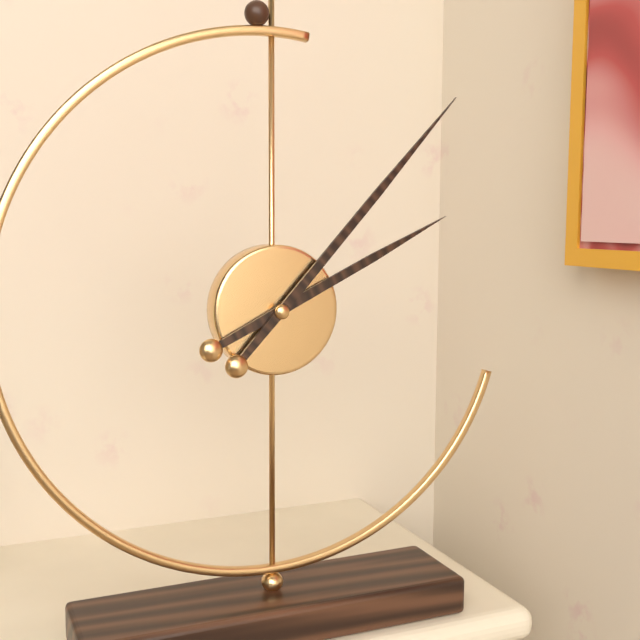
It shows 2 h 07 min
